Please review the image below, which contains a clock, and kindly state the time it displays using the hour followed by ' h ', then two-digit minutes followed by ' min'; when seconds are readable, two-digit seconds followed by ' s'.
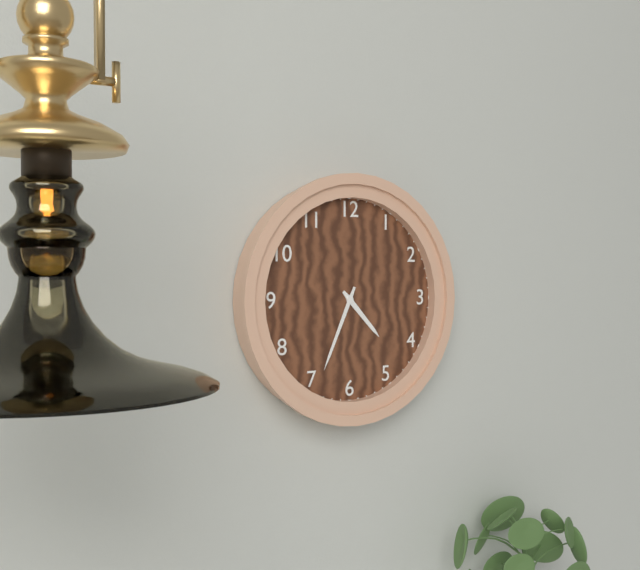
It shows 4 h 34 min
